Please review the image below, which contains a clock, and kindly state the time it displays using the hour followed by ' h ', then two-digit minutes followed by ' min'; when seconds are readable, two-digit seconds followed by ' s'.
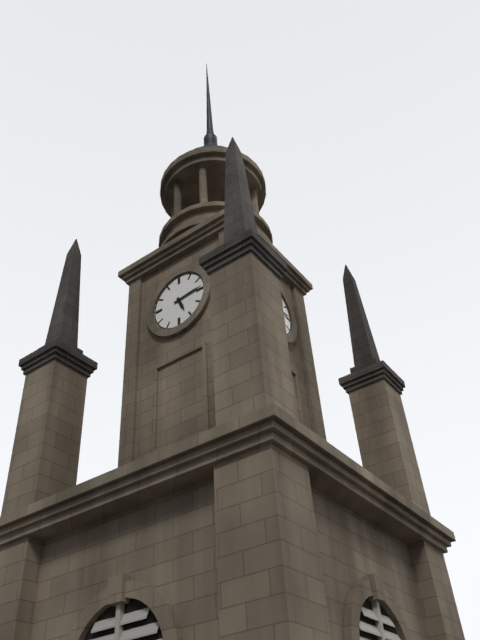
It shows 5 h 14 min
